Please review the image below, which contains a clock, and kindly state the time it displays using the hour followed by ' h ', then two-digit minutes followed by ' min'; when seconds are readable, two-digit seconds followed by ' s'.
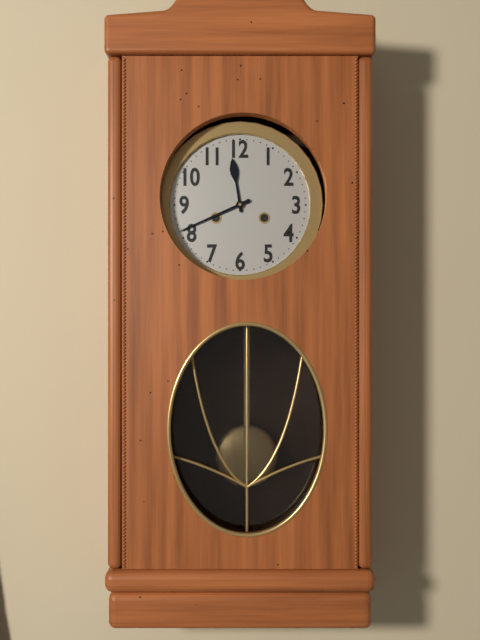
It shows 11 h 41 min
